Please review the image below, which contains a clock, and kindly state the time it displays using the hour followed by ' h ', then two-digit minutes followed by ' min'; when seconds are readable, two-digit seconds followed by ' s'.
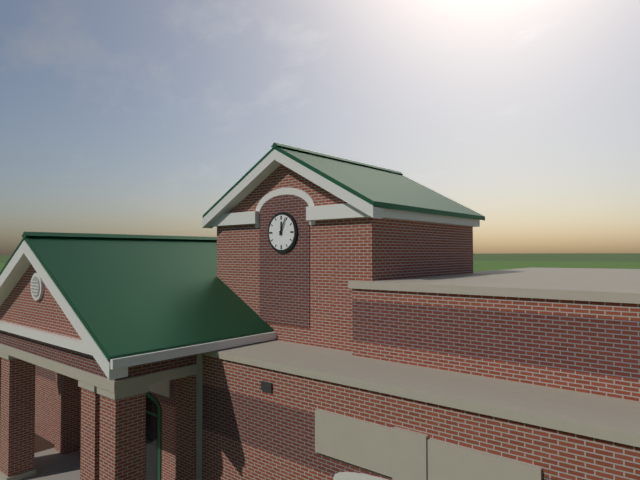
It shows 12 h 04 min
